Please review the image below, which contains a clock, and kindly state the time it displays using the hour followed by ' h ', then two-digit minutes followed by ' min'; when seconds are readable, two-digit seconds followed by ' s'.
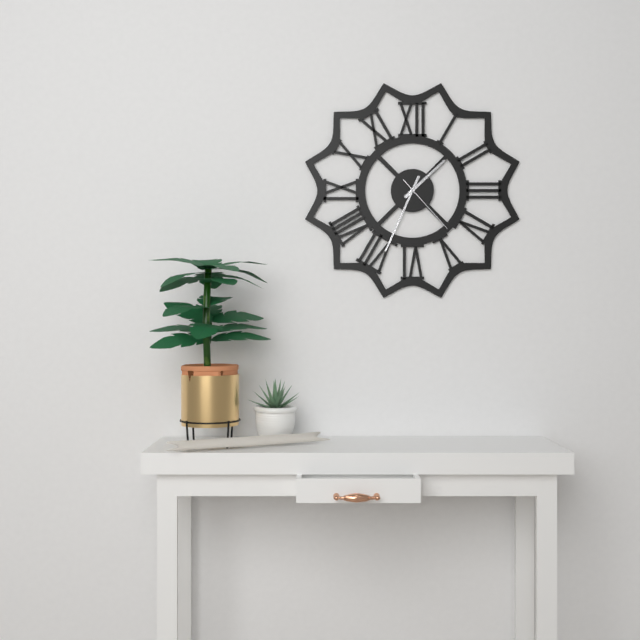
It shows 1 h 34 min 23 s
